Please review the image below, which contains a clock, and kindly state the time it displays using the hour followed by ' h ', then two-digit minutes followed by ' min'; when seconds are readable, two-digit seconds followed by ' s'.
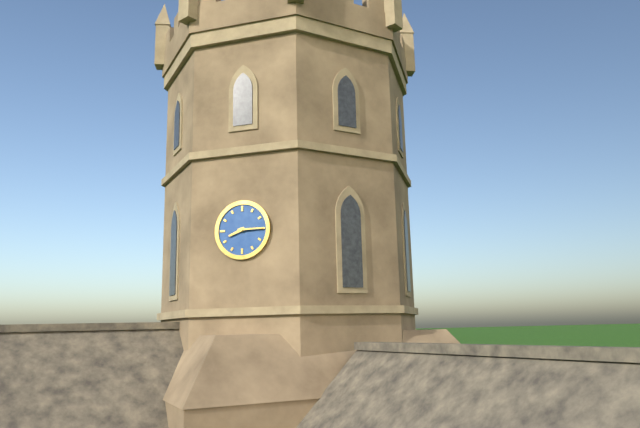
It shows 8 h 15 min
